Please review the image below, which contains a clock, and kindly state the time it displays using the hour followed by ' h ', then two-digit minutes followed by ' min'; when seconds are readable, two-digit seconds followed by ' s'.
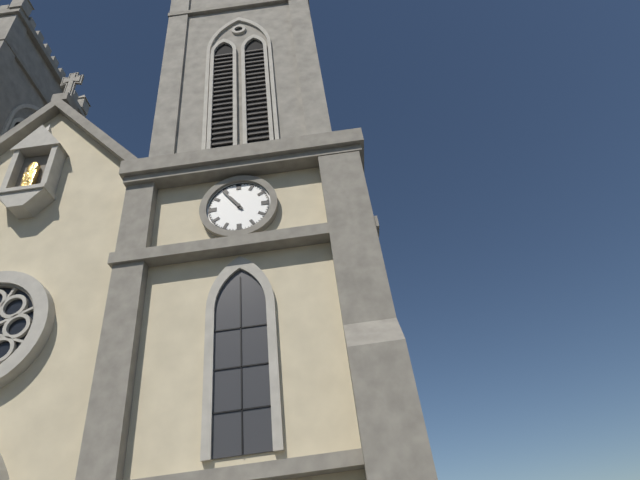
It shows 10 h 54 min
